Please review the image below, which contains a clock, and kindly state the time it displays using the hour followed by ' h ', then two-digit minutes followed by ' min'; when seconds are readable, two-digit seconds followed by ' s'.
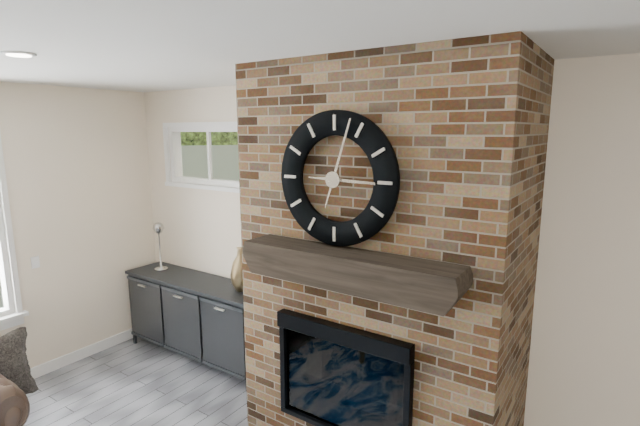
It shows 3 h 03 min
